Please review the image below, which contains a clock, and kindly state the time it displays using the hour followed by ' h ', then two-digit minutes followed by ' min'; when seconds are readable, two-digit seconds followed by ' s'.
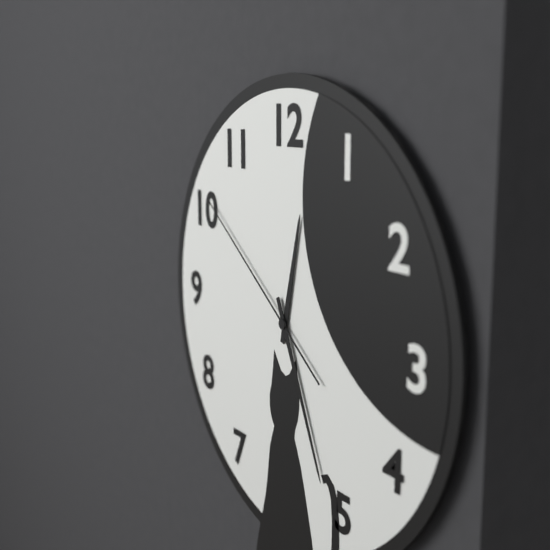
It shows 12 h 26 min 51 s
